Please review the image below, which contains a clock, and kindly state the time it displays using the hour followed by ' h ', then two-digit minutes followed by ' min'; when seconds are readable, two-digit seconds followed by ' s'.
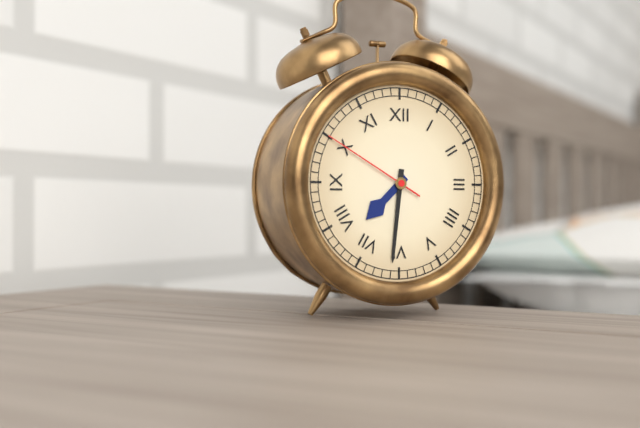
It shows 7 h 31 min 50 s
